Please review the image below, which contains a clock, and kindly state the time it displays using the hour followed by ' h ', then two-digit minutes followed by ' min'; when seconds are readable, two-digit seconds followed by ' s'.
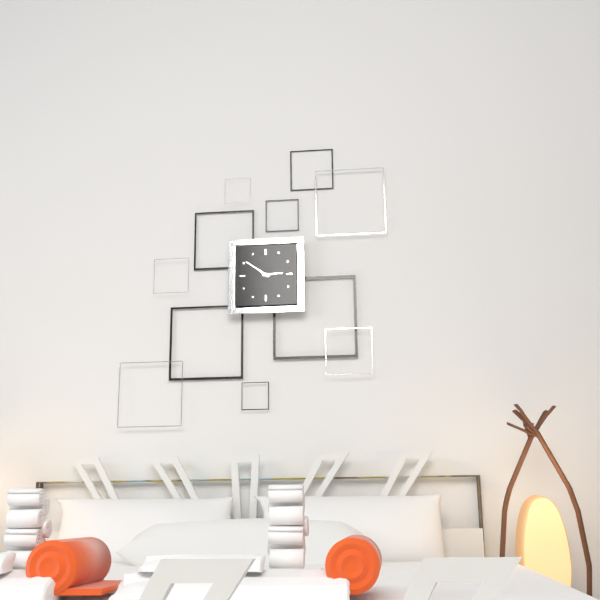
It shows 2 h 51 min
